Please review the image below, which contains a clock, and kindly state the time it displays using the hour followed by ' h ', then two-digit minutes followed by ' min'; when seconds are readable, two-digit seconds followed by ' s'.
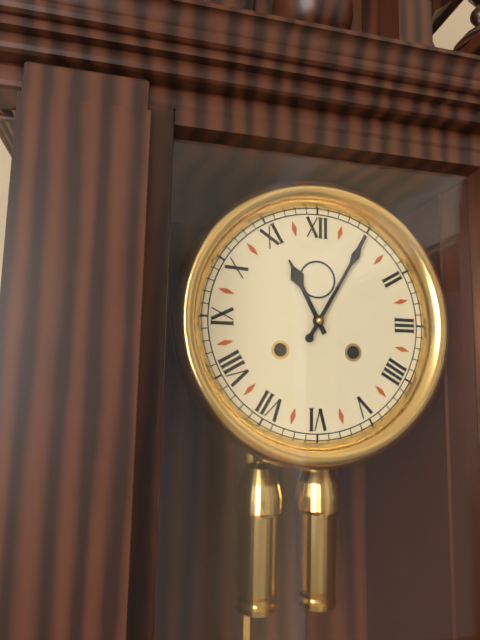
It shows 11 h 05 min
